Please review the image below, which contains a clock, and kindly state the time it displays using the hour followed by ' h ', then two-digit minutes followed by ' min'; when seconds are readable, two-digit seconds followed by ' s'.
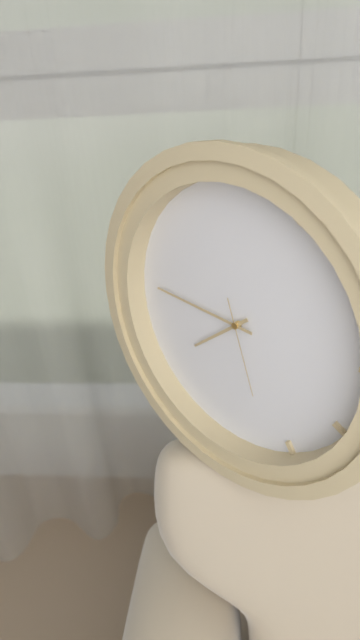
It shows 7 h 46 min 27 s
